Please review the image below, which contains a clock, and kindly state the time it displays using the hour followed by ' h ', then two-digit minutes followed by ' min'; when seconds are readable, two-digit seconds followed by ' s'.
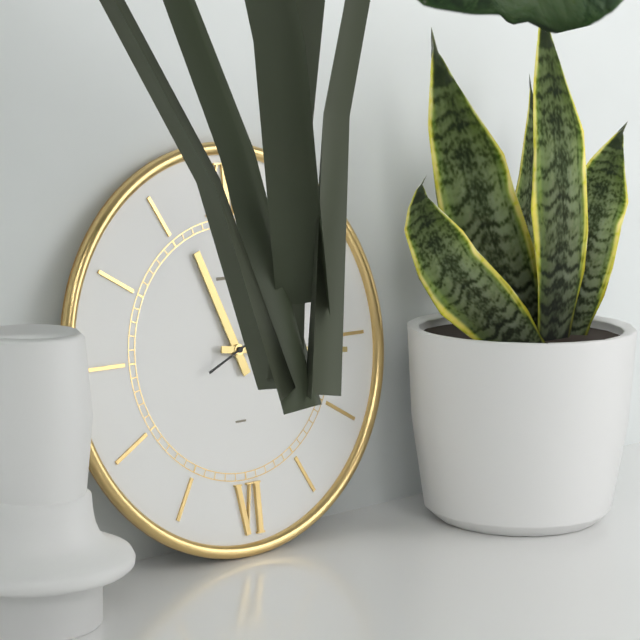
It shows 11 h 16 min
